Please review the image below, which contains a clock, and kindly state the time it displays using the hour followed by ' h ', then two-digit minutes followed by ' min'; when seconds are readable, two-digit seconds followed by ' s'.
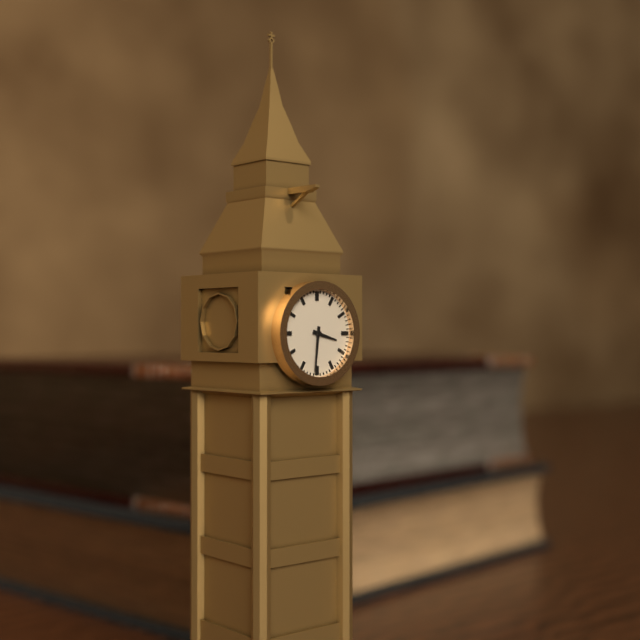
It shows 3 h 31 min
